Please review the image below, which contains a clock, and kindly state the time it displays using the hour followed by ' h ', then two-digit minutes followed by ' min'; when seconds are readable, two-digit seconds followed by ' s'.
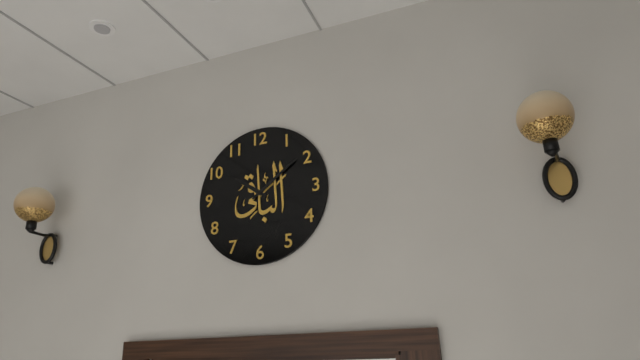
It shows 10 h 09 min
